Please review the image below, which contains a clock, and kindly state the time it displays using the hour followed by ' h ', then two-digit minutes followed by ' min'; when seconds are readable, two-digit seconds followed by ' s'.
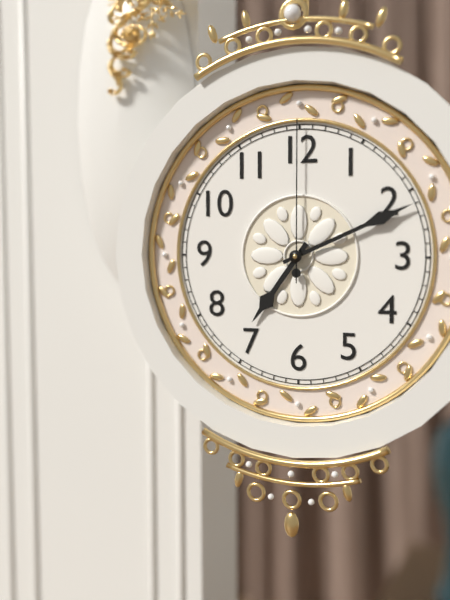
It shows 7 h 11 min 00 s
